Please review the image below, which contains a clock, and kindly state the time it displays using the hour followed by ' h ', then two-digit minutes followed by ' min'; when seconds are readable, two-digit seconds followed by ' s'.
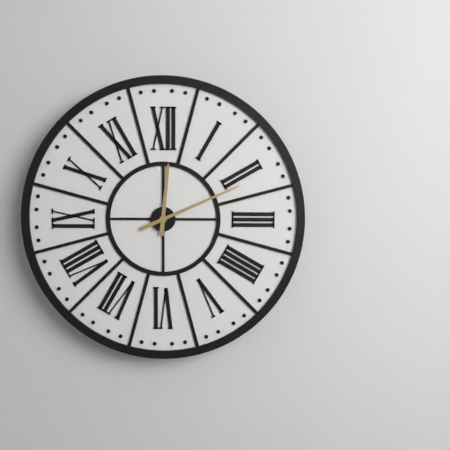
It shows 12 h 11 min
